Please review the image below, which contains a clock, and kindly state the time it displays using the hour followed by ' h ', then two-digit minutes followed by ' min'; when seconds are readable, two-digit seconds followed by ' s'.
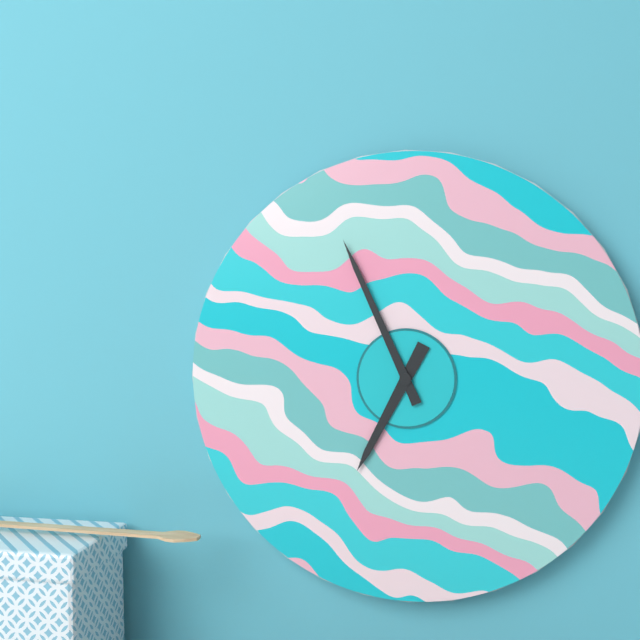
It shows 6 h 56 min
